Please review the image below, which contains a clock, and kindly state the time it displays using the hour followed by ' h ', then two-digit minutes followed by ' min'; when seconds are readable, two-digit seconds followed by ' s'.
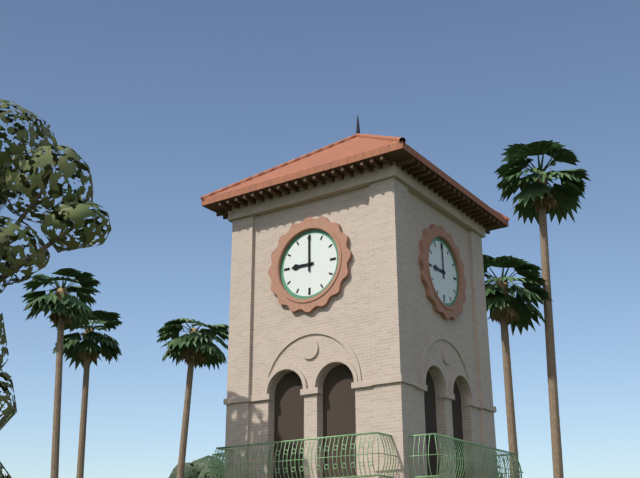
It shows 9 h 00 min
